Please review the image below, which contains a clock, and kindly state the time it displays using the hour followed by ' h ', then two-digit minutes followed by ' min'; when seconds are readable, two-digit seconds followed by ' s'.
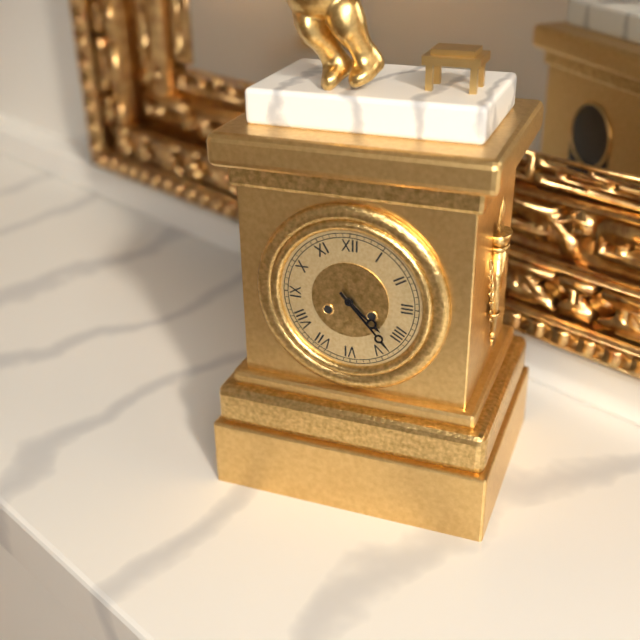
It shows 4 h 23 min
